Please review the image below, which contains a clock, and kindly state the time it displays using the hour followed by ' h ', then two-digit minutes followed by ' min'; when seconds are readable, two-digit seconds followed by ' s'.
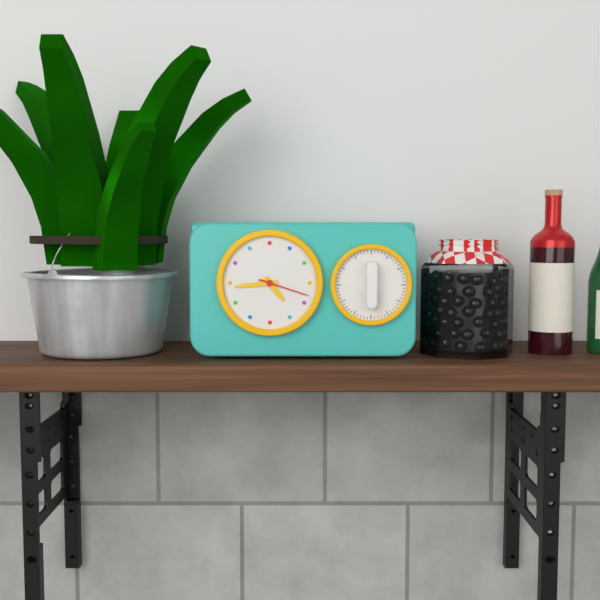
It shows 4 h 44 min 18 s
